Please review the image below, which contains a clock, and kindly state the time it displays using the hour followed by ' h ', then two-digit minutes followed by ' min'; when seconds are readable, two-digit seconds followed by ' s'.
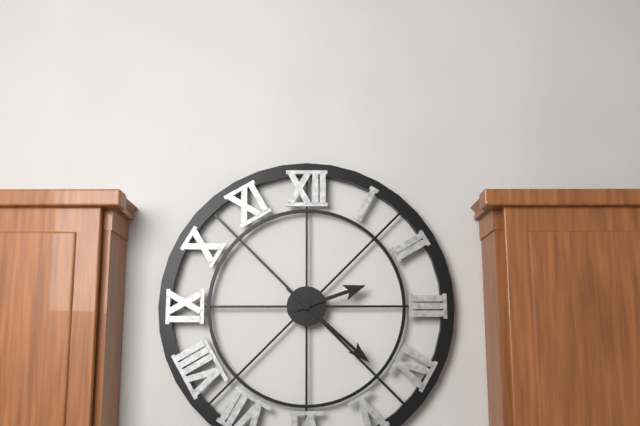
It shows 2 h 22 min
